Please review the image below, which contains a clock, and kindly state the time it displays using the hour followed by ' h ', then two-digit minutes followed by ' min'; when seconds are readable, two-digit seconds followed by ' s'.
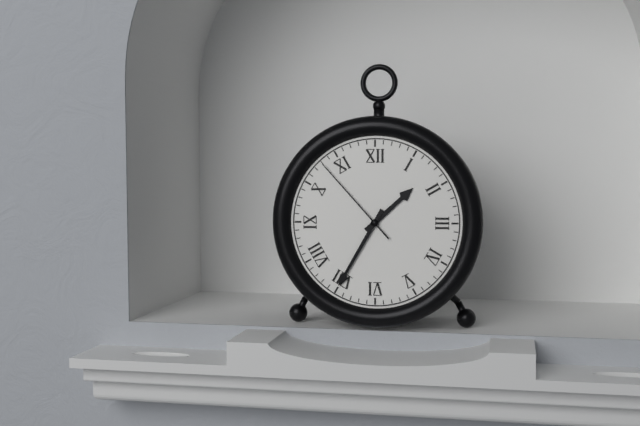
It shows 1 h 35 min 53 s
